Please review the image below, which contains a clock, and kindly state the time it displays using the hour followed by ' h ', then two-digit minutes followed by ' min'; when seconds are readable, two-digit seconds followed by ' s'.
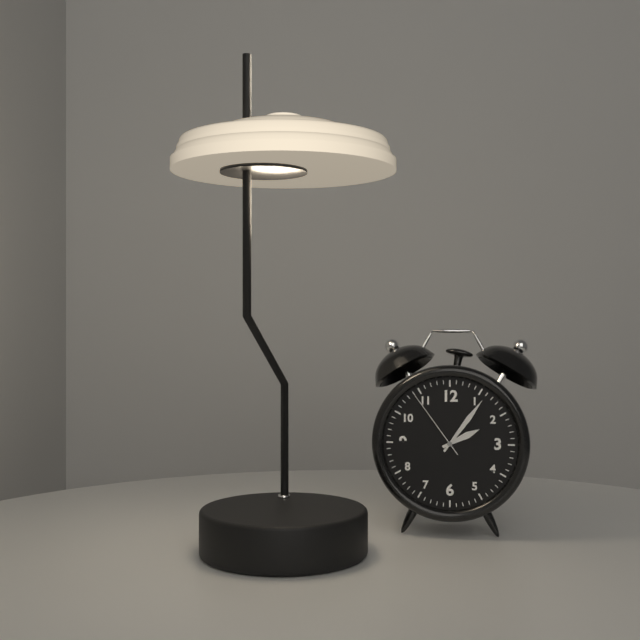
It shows 2 h 06 min 54 s
